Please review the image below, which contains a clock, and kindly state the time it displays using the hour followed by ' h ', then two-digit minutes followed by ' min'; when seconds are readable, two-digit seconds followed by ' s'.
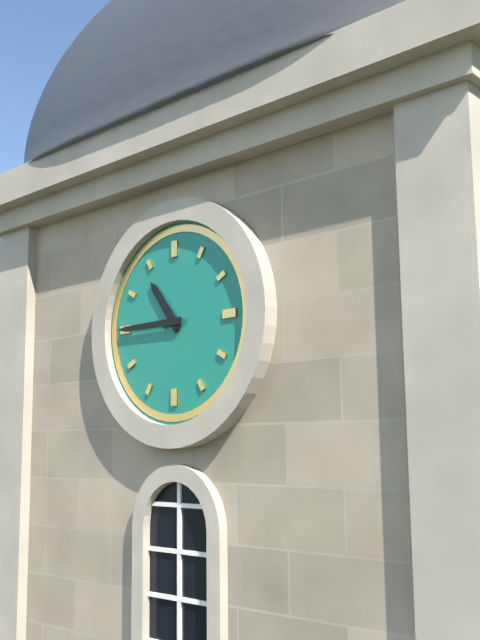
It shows 10 h 45 min
